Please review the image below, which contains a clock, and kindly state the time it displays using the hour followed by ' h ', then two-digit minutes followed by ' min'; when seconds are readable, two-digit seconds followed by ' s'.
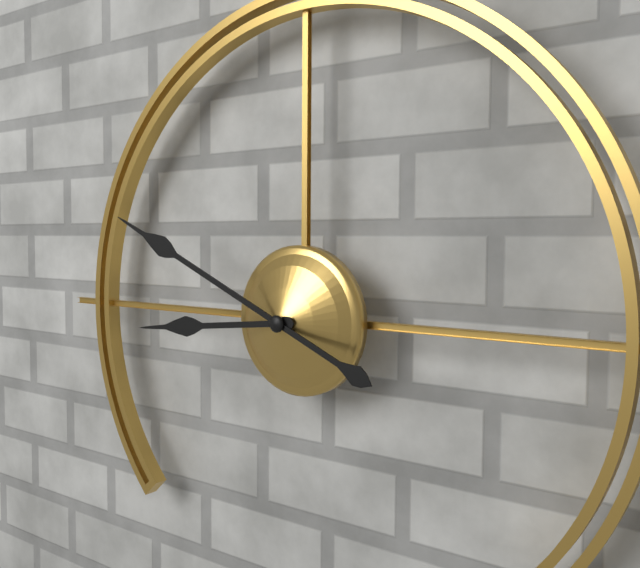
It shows 8 h 49 min
